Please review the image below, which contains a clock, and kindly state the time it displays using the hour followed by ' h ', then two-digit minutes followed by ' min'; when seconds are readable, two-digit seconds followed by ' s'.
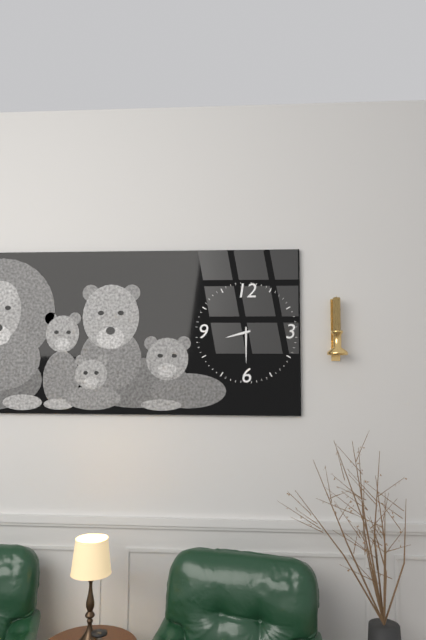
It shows 8 h 30 min
